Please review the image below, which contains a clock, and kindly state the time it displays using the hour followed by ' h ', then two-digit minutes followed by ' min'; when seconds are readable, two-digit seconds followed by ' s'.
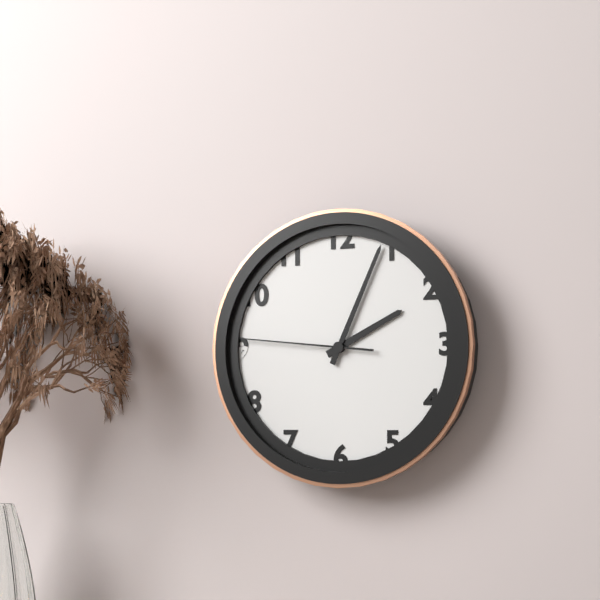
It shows 2 h 04 min 46 s
